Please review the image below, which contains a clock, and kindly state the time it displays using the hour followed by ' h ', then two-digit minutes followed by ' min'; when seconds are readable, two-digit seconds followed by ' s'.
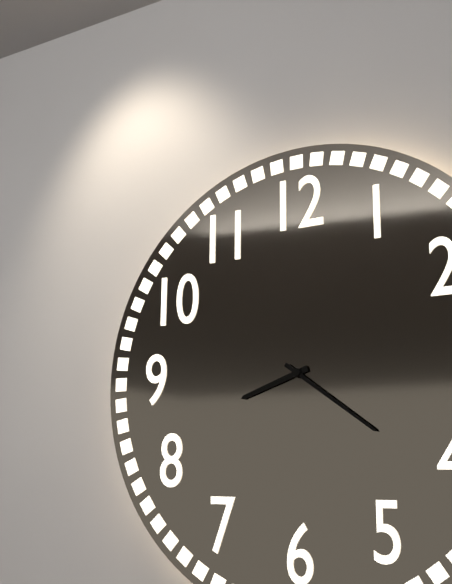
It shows 8 h 21 min
